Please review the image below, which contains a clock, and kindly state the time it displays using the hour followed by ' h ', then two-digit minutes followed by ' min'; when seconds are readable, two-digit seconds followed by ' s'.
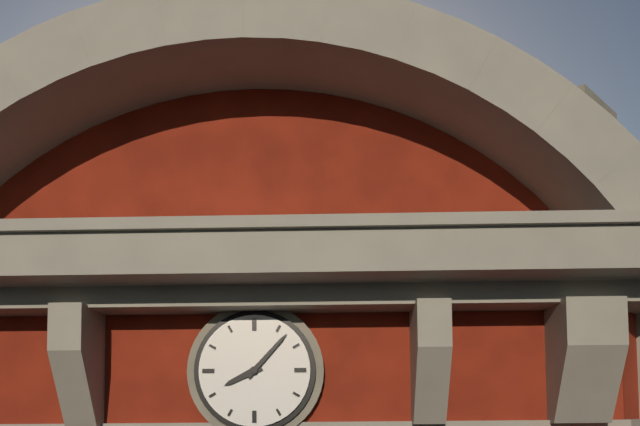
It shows 8 h 07 min
